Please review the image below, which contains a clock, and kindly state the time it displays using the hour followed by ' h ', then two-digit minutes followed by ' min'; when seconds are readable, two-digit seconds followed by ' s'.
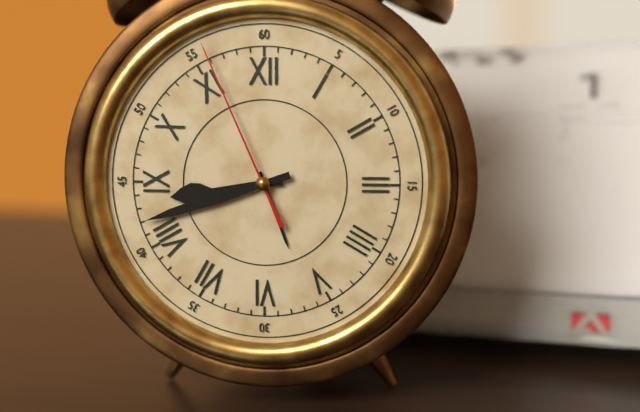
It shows 8 h 42 min 56 s
